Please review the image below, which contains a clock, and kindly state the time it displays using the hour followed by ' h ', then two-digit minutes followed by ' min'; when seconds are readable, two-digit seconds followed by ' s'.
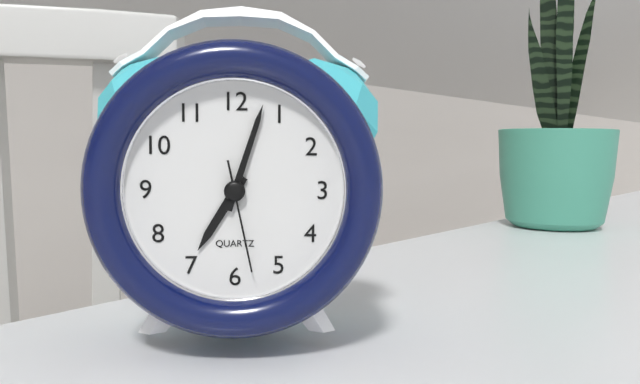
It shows 7 h 03 min 28 s
